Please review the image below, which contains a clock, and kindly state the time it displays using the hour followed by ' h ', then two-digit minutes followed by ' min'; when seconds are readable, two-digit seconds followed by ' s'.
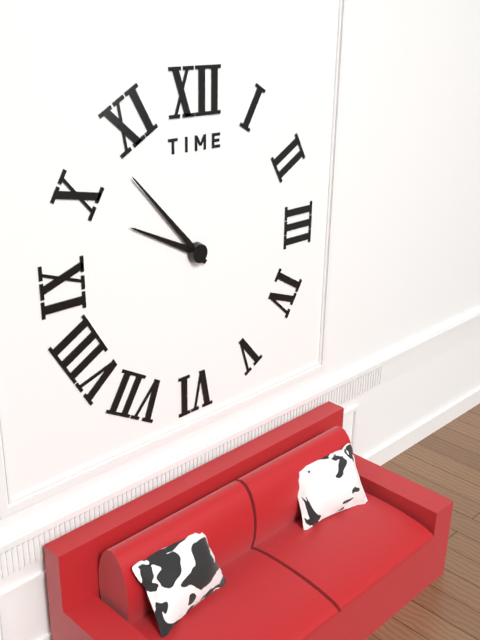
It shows 9 h 53 min
